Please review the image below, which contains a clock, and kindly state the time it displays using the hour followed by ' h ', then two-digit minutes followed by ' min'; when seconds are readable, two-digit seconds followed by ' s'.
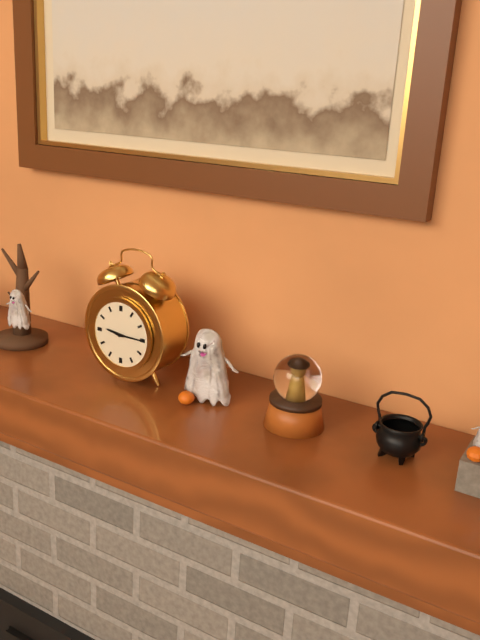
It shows 9 h 15 min
